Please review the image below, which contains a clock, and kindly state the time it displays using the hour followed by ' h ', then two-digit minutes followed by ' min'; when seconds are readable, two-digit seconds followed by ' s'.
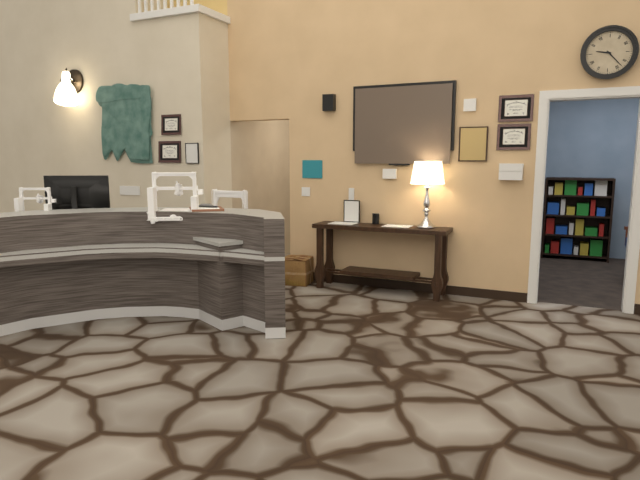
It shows 9 h 23 min
